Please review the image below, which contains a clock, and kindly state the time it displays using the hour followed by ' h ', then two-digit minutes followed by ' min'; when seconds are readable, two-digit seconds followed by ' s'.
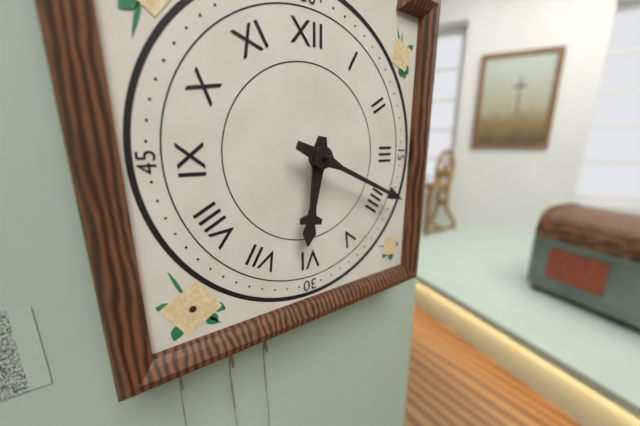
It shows 6 h 19 min
